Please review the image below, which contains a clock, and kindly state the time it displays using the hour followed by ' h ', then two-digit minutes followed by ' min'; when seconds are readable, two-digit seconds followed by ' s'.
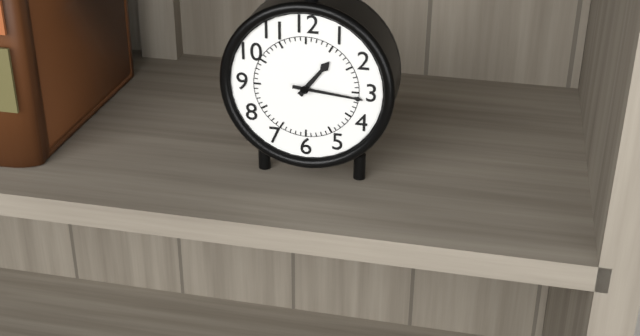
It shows 1 h 16 min
